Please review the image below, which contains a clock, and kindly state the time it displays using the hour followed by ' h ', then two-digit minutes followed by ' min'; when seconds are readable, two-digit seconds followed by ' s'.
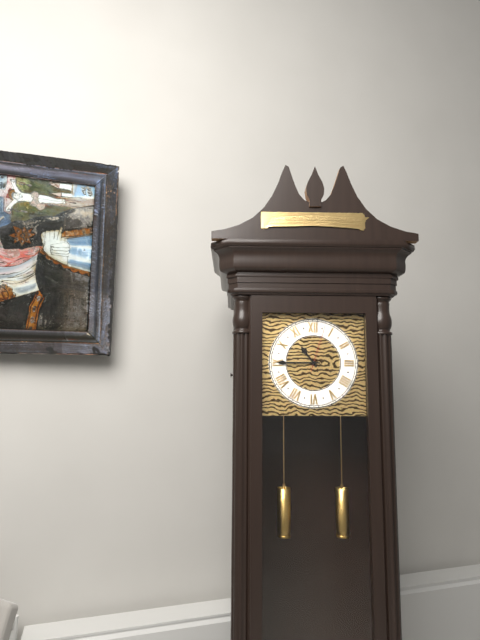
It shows 10 h 45 min
